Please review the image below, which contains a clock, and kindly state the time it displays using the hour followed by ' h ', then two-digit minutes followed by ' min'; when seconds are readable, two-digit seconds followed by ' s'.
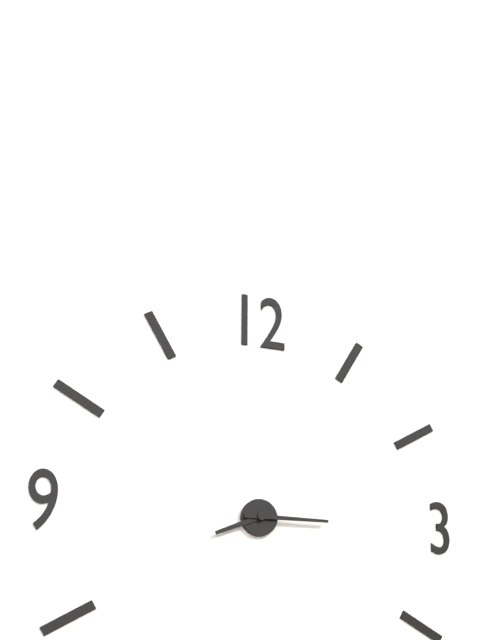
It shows 8 h 15 min
